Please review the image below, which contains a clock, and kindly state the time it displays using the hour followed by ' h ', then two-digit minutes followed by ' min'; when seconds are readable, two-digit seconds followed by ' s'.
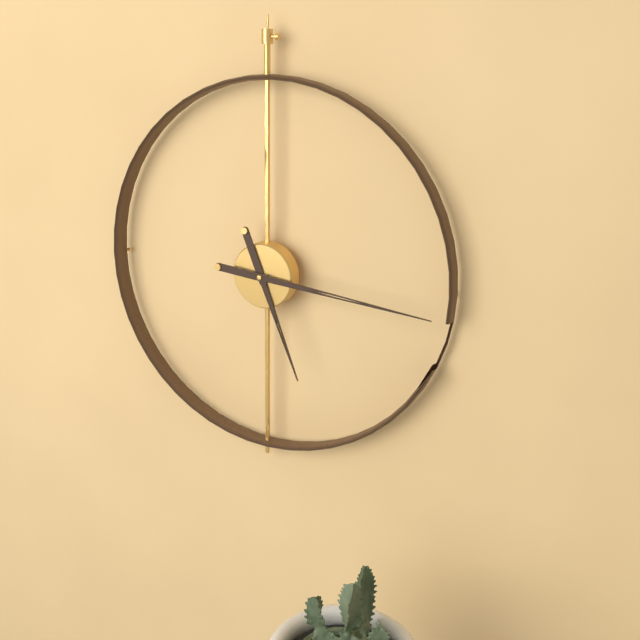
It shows 5 h 16 min
